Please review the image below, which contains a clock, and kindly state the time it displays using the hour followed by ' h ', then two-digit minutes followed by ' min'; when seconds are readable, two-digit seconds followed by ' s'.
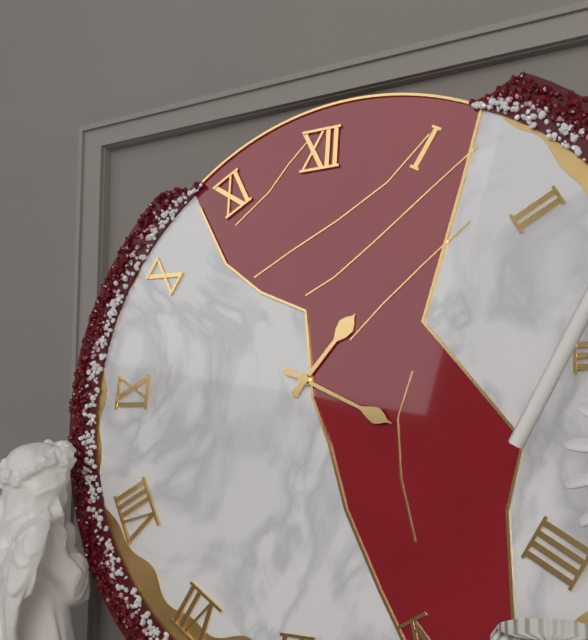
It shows 1 h 19 min
